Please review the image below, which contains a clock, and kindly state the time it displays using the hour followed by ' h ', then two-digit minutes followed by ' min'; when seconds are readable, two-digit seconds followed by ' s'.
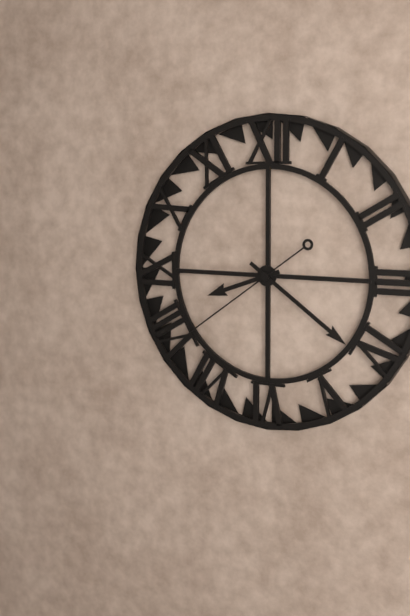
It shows 8 h 21 min 39 s
